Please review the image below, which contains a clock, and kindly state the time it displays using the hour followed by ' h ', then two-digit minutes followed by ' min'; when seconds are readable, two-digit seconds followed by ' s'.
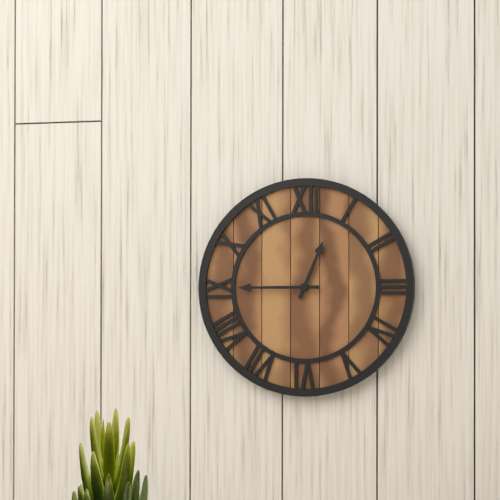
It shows 12 h 45 min
